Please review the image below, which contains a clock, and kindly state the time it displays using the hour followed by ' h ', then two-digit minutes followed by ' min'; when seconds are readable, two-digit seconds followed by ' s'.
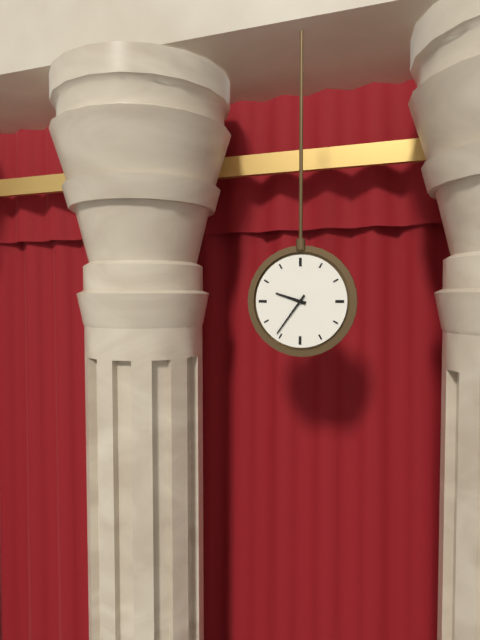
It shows 9 h 36 min
